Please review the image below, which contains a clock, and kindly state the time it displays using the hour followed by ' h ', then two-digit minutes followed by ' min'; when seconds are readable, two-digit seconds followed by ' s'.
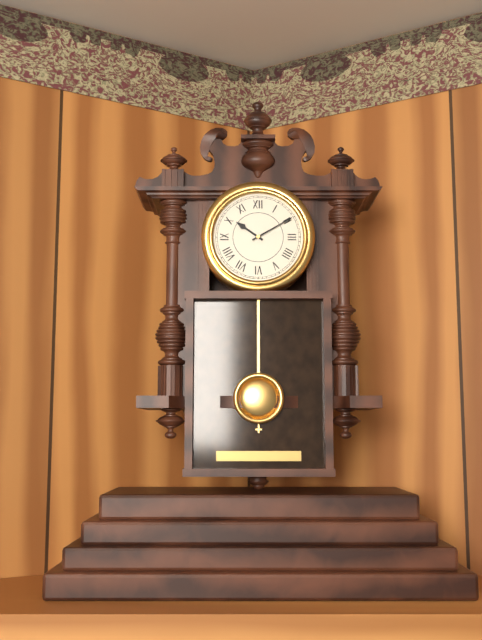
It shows 10 h 10 min
